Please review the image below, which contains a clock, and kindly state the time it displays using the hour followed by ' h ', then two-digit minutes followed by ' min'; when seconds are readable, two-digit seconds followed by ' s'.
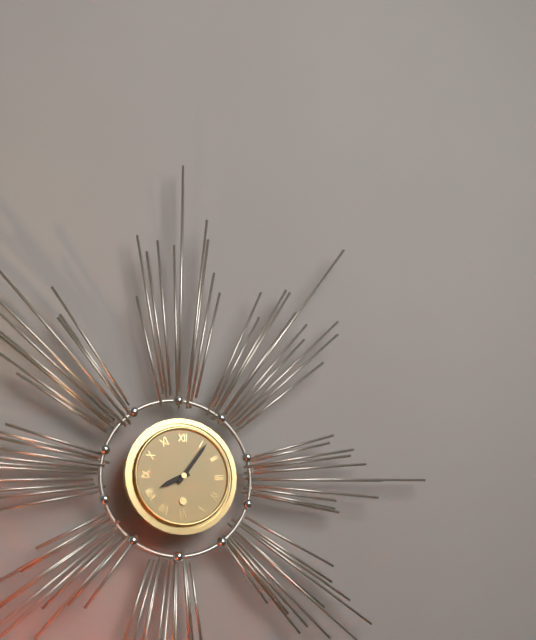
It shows 8 h 06 min
